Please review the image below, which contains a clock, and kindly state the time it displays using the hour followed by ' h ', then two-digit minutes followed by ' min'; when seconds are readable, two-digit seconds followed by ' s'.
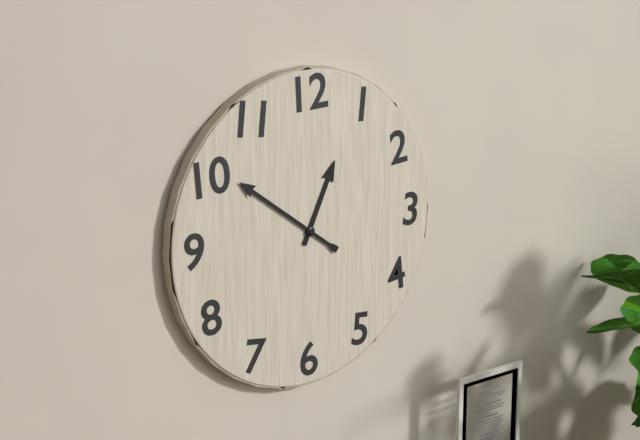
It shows 12 h 51 min
